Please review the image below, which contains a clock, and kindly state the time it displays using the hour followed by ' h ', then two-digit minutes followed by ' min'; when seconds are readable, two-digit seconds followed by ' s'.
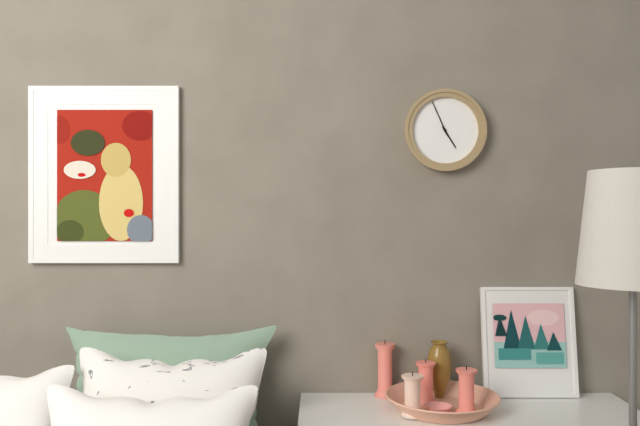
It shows 4 h 56 min
